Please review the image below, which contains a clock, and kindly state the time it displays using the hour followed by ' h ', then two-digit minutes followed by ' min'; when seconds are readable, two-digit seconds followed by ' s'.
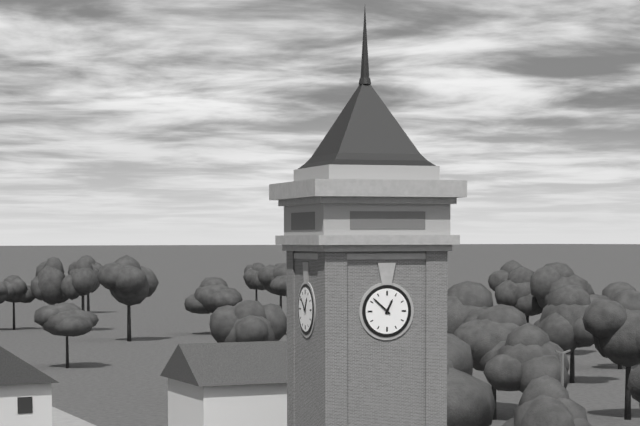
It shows 12 h 52 min
